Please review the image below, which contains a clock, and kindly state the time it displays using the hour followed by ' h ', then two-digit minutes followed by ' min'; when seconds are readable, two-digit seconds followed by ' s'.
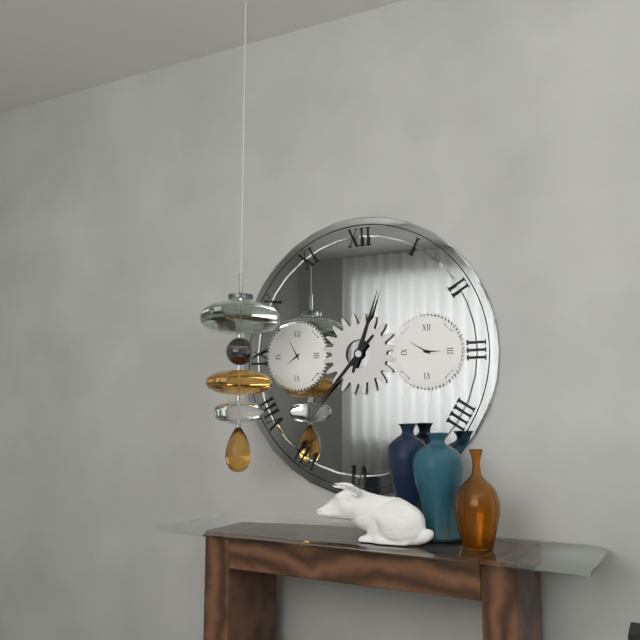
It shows 12 h 37 min
